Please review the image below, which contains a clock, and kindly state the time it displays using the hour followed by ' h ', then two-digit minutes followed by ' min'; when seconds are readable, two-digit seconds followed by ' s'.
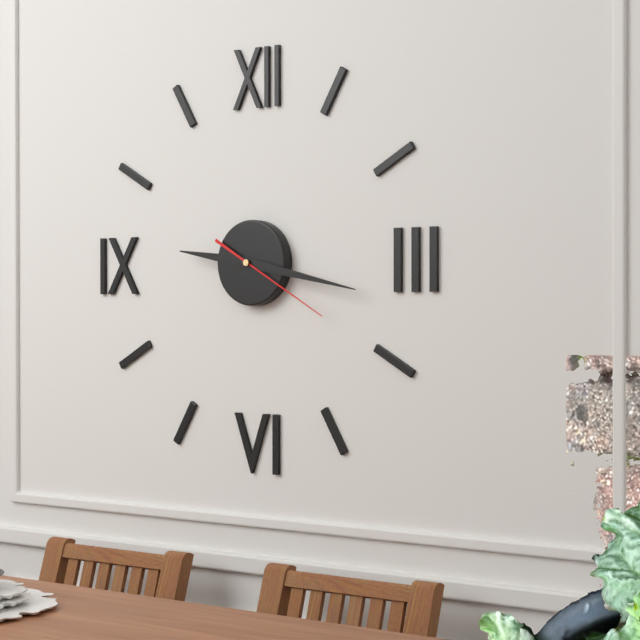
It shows 9 h 17 min 20 s
